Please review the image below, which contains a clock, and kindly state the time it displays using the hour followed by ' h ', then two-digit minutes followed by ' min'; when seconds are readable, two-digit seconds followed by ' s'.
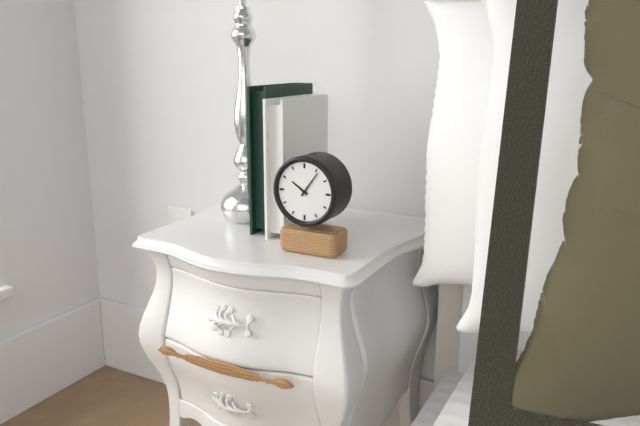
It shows 10 h 06 min
